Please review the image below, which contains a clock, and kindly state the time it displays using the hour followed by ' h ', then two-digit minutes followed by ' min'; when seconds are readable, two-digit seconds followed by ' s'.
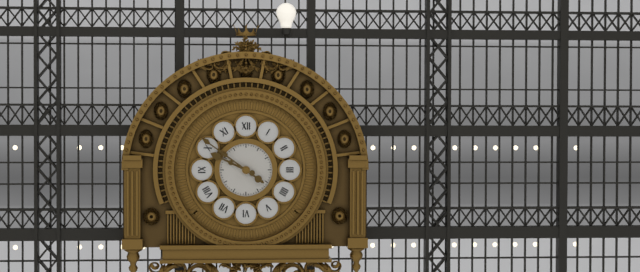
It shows 9 h 51 min
